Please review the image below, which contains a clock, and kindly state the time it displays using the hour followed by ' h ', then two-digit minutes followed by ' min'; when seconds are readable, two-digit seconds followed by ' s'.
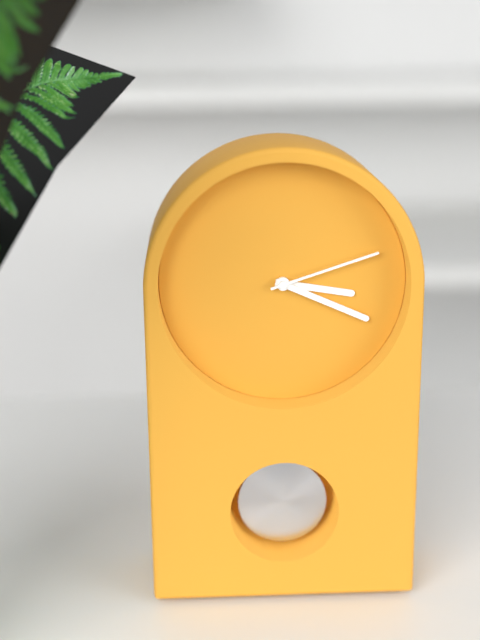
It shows 3 h 19 min 12 s
